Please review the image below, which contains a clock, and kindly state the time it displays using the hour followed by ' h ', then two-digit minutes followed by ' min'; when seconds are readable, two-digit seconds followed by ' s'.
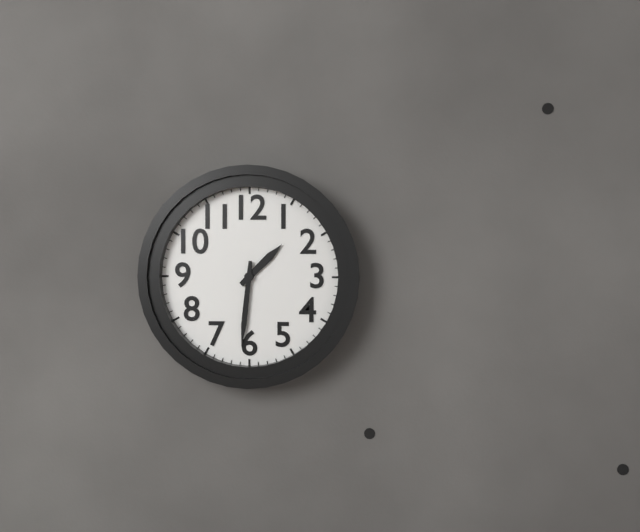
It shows 1 h 31 min
